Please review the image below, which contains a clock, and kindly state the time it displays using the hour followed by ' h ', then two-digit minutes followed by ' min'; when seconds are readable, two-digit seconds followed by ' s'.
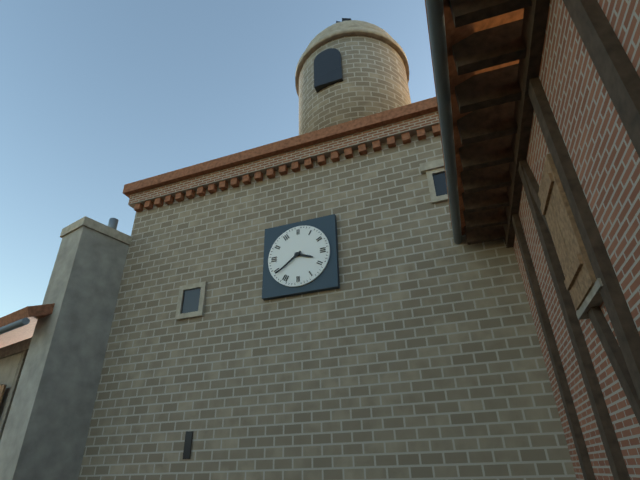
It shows 3 h 39 min
